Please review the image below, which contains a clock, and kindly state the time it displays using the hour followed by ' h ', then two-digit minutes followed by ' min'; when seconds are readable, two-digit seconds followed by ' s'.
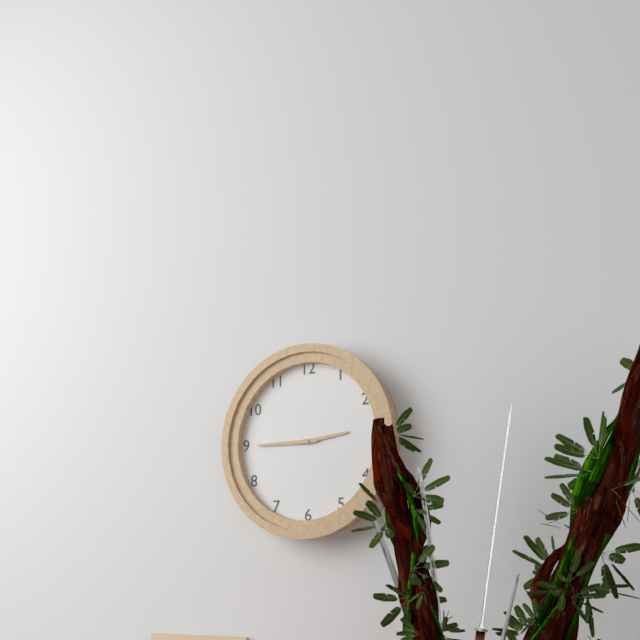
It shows 2 h 45 min
